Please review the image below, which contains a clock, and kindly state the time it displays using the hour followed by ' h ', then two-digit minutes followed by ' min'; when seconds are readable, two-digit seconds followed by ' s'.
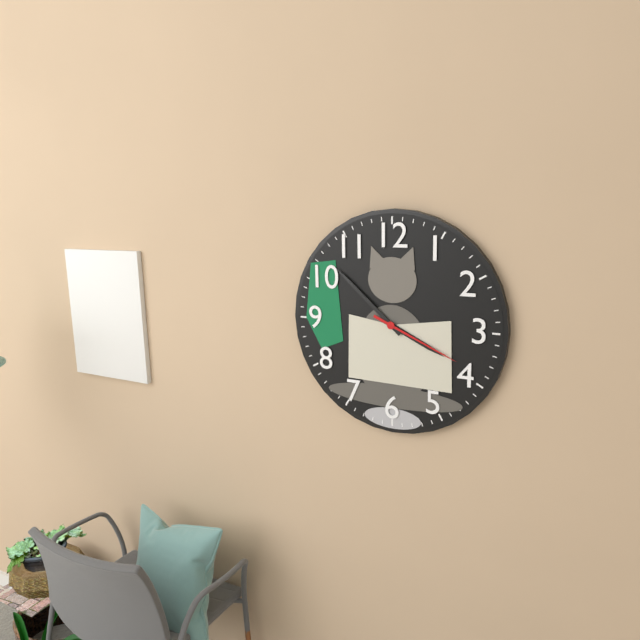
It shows 3 h 52 min 19 s
